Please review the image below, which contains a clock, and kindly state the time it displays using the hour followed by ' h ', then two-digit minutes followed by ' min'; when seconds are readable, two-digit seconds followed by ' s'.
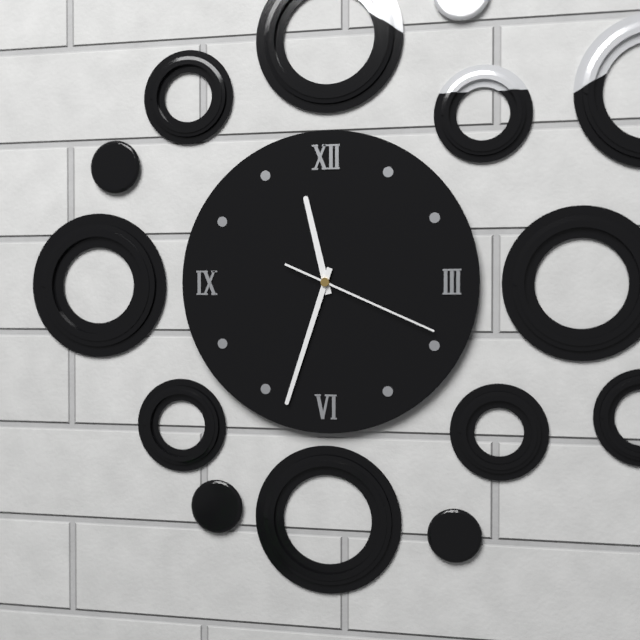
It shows 11 h 33 min 19 s
